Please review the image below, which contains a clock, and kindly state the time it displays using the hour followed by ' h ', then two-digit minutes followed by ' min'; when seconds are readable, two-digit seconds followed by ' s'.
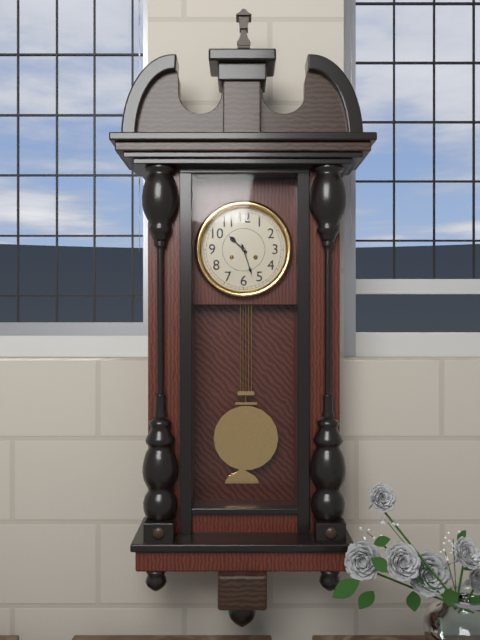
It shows 10 h 27 min
